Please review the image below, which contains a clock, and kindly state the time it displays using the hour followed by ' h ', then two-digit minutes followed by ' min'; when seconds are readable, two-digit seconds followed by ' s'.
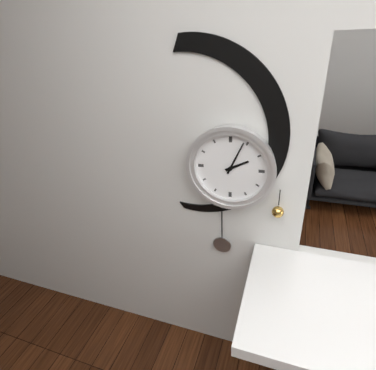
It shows 2 h 04 min
